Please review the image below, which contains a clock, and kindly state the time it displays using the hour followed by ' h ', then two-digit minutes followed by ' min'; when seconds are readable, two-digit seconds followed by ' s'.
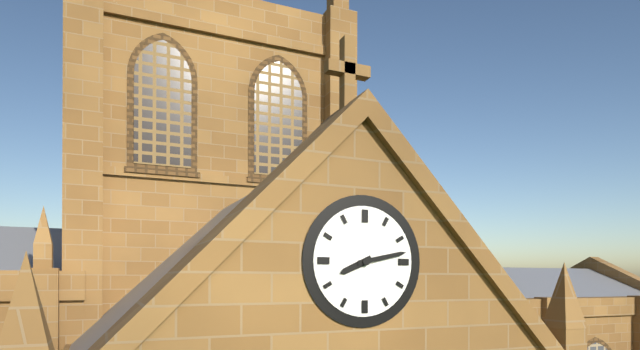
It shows 8 h 13 min
